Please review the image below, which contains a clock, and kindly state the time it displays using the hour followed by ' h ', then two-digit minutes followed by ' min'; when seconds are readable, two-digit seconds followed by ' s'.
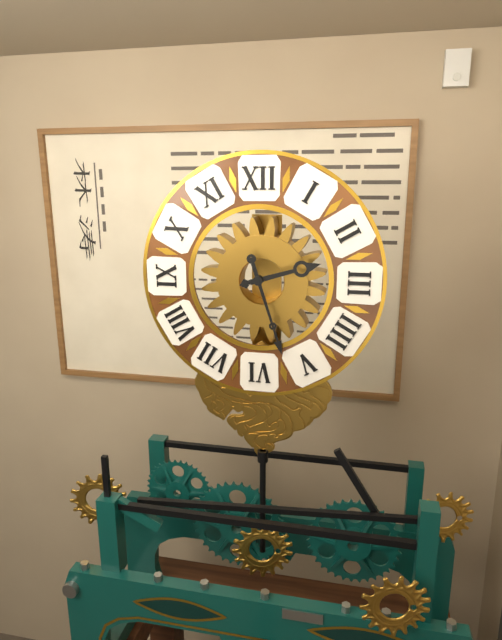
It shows 2 h 27 min
